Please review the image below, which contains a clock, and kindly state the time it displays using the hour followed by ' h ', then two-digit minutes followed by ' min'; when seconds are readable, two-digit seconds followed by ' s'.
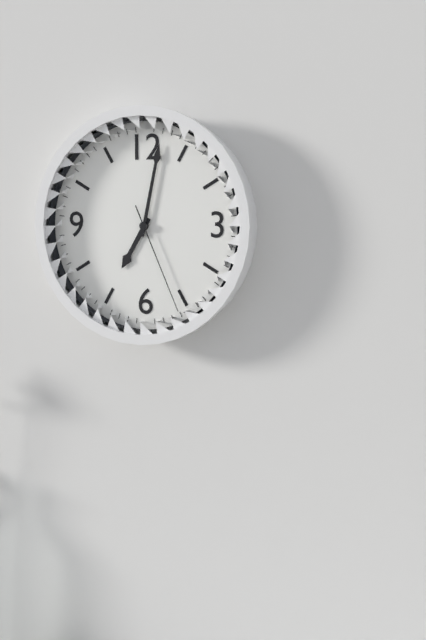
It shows 7 h 02 min 26 s
